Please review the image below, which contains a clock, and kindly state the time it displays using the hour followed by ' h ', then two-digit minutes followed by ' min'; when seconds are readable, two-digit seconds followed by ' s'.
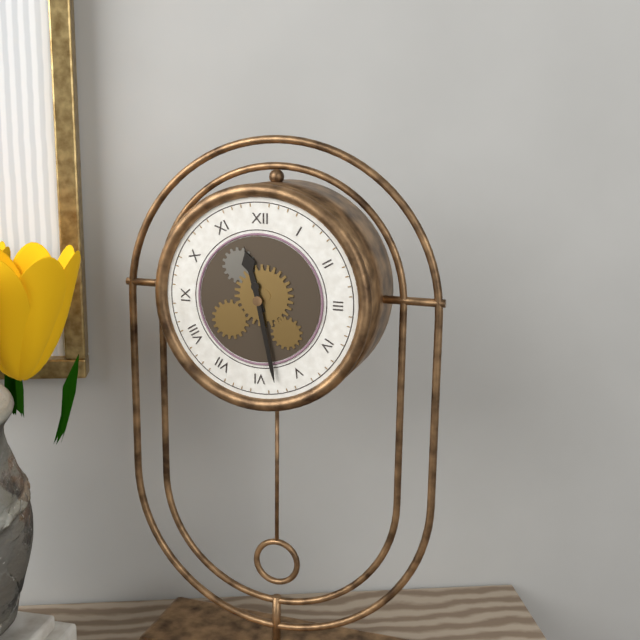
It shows 11 h 28 min
